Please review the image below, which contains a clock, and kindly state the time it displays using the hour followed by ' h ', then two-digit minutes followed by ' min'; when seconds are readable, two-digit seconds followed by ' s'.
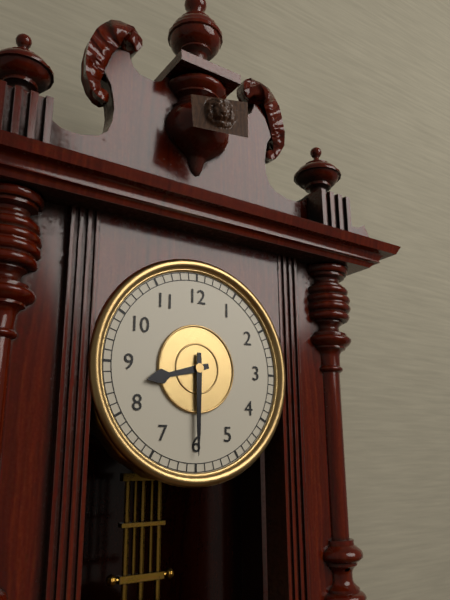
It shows 8 h 30 min
